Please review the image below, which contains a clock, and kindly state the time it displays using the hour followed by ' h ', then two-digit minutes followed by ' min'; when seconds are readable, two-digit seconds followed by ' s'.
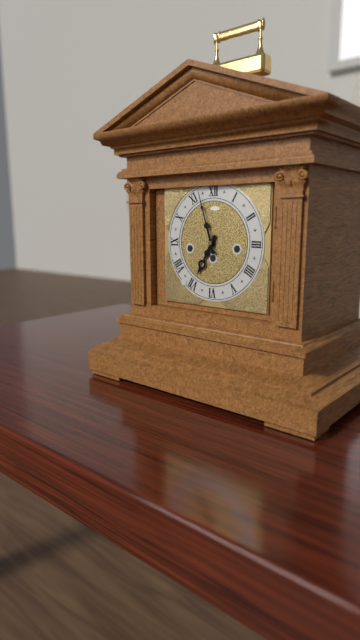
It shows 6 h 57 min
